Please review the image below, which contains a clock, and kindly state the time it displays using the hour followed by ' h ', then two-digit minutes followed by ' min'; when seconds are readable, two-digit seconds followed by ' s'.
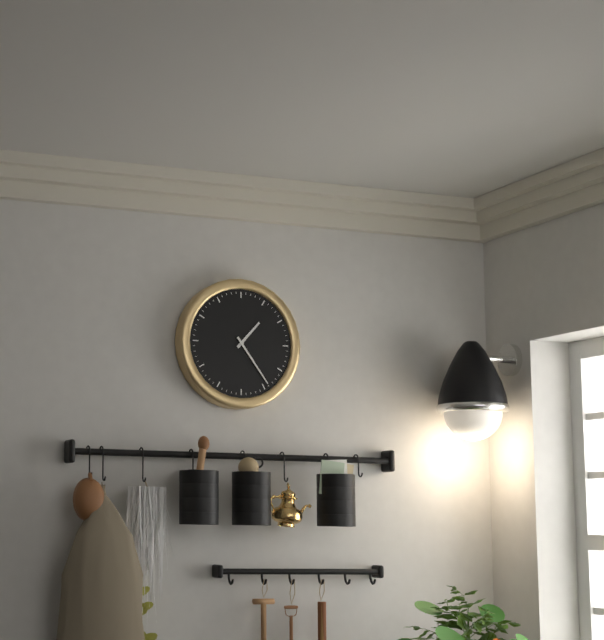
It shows 1 h 24 min
